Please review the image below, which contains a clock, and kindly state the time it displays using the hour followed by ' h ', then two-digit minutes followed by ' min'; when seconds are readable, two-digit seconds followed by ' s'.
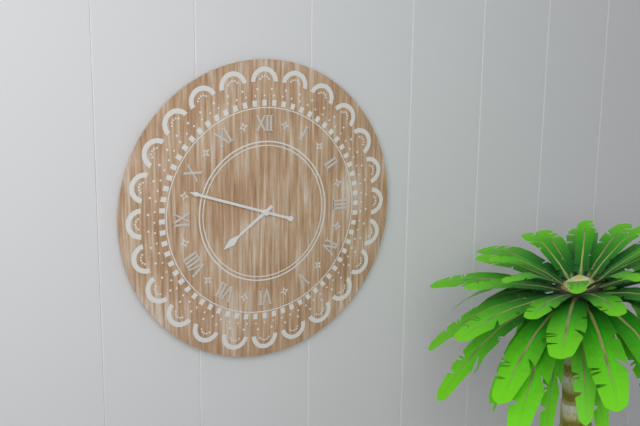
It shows 7 h 48 min
